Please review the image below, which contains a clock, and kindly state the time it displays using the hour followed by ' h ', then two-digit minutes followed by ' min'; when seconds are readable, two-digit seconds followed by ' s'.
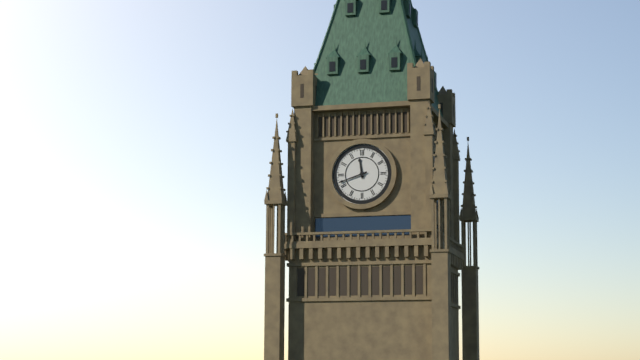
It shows 11 h 42 min
